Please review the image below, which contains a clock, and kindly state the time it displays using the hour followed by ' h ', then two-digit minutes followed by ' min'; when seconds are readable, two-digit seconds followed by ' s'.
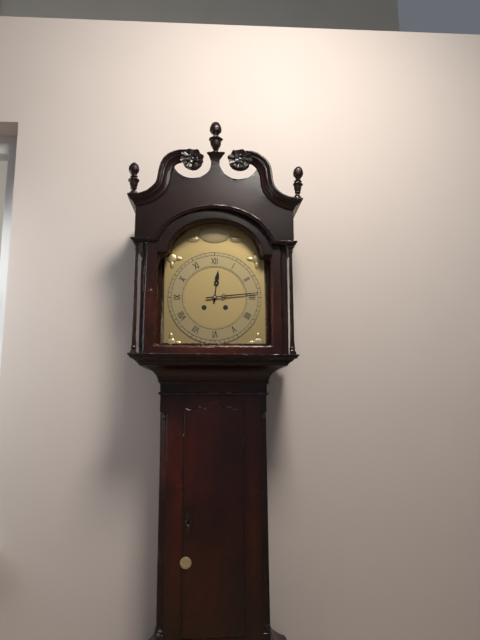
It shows 12 h 14 min
